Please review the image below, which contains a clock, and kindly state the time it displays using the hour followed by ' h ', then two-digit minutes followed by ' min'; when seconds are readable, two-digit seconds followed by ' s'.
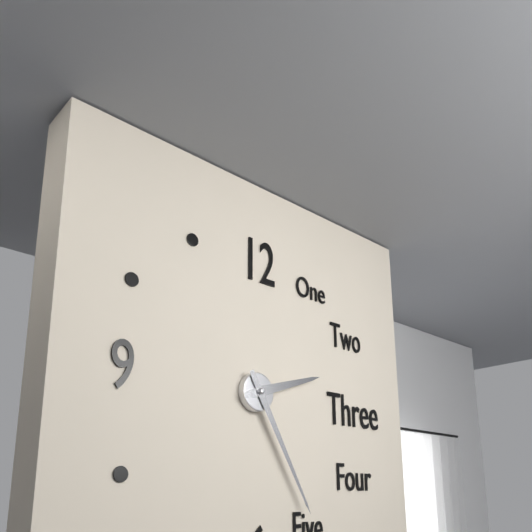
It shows 2 h 25 min
